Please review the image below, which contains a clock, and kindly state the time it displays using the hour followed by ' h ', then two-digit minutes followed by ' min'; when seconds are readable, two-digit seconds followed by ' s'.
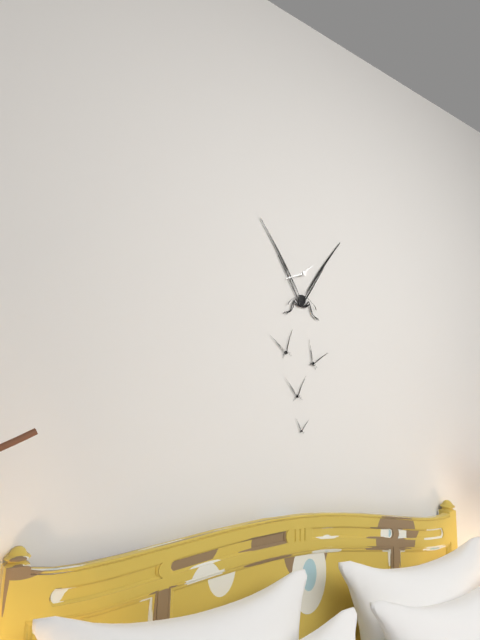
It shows 1 h 41 min
